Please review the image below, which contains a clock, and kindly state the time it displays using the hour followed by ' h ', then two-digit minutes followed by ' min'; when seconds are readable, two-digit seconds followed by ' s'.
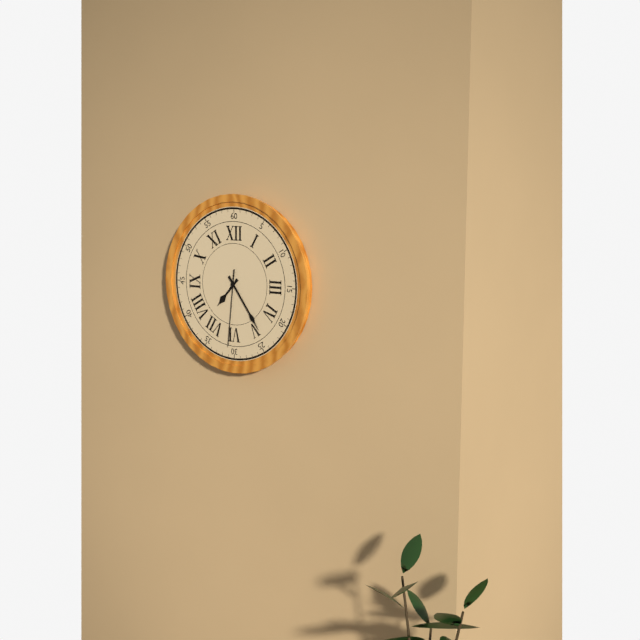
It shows 7 h 24 min 31 s
